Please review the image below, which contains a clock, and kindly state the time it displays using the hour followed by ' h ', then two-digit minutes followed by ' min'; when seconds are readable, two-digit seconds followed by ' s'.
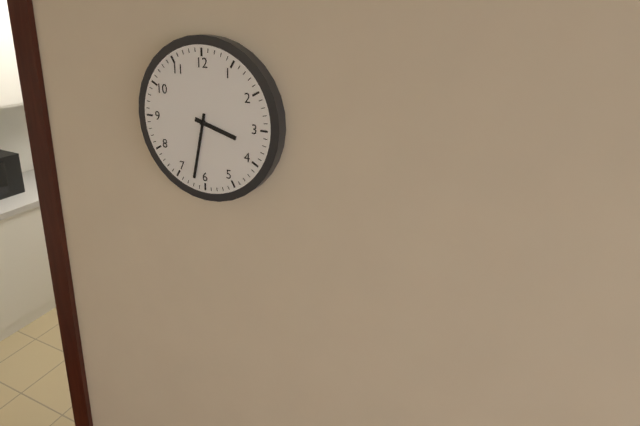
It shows 3 h 32 min
